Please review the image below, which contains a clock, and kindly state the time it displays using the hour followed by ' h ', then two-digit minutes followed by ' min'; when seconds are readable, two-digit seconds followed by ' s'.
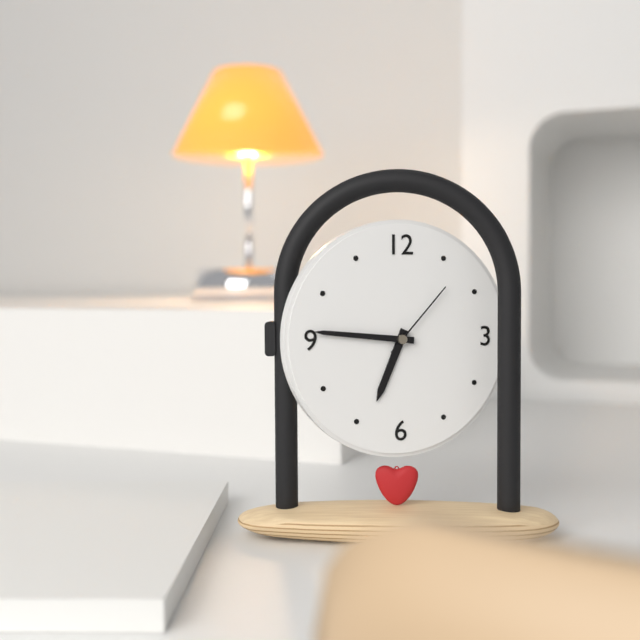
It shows 6 h 46 min 07 s
